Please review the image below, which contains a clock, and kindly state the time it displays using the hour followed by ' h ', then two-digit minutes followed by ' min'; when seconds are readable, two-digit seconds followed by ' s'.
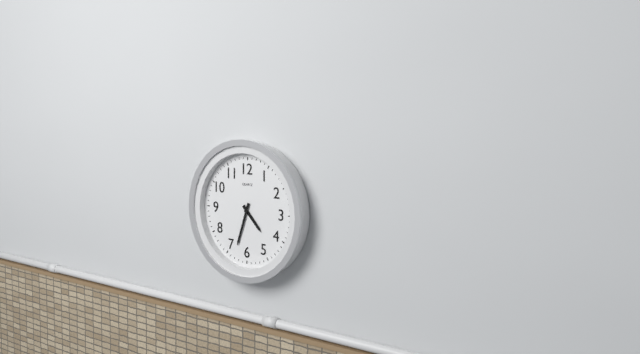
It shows 4 h 33 min
